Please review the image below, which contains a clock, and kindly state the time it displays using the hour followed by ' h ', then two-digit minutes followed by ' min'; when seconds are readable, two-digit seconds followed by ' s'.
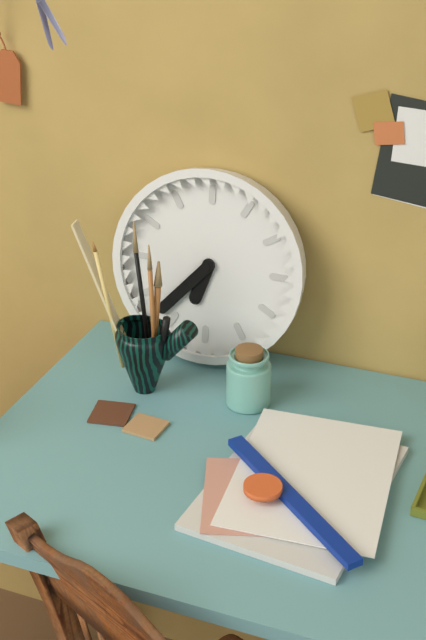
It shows 6 h 37 min
